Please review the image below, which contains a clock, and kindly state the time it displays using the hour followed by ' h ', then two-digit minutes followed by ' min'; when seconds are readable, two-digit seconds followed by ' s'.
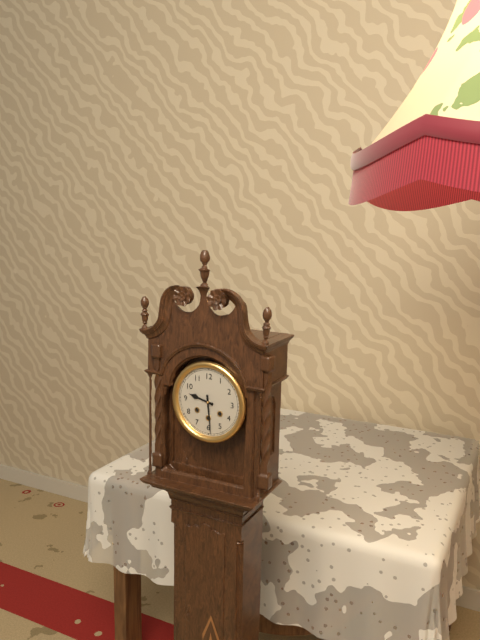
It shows 9 h 29 min
